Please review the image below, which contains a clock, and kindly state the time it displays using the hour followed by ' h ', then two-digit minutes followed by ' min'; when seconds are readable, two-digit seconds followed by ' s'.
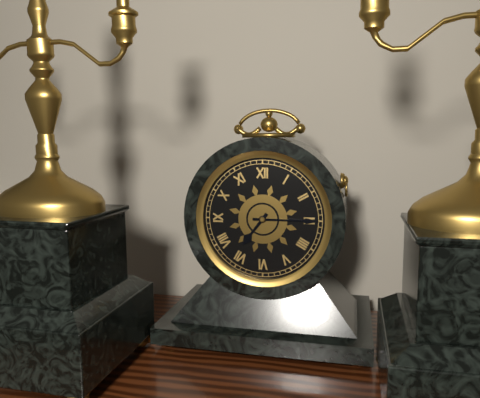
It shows 7 h 15 min
